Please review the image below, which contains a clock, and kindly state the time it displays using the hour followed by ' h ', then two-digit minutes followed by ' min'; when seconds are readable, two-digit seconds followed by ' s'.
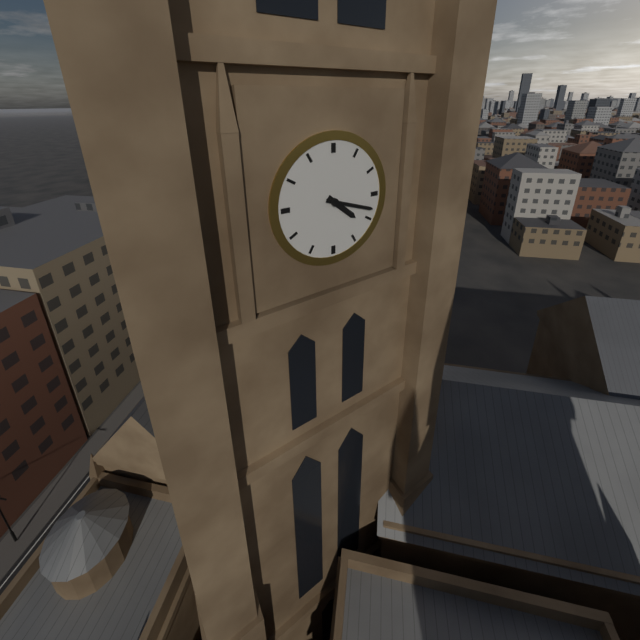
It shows 4 h 18 min
